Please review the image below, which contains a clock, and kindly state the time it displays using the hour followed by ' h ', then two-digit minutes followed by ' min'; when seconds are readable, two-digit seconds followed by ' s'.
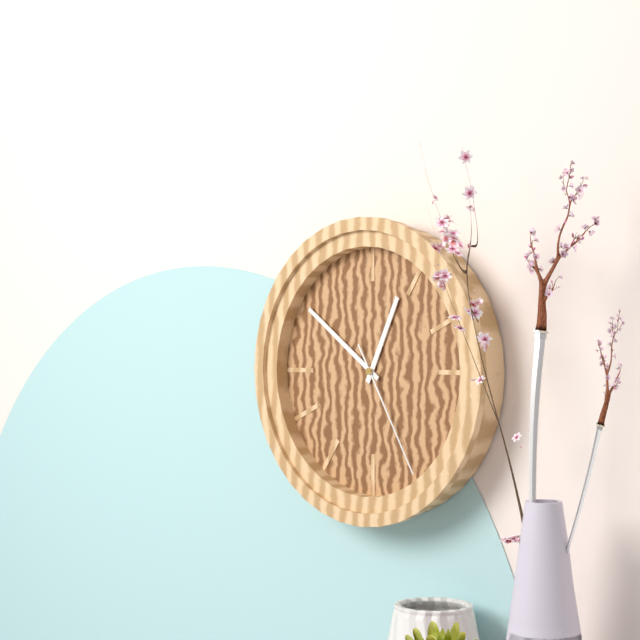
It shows 12 h 51 min 25 s
